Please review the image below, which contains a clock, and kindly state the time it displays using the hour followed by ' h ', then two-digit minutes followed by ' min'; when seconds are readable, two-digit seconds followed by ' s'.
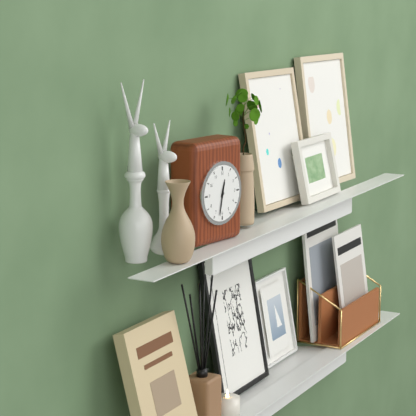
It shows 12 h 32 min
